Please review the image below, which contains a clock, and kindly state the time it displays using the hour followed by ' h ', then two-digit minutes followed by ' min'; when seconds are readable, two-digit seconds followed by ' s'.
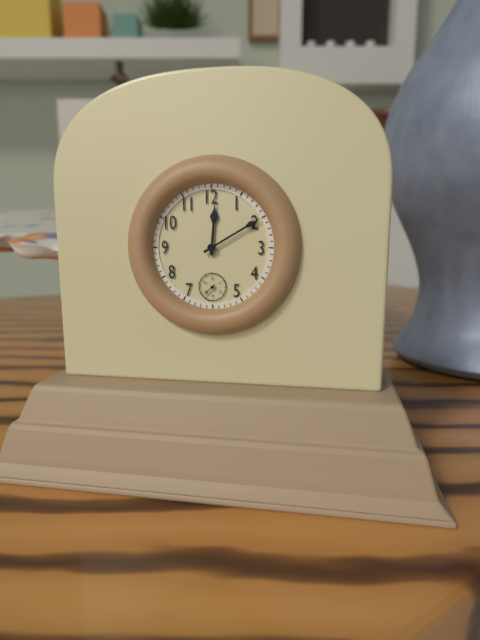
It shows 12 h 10 min
